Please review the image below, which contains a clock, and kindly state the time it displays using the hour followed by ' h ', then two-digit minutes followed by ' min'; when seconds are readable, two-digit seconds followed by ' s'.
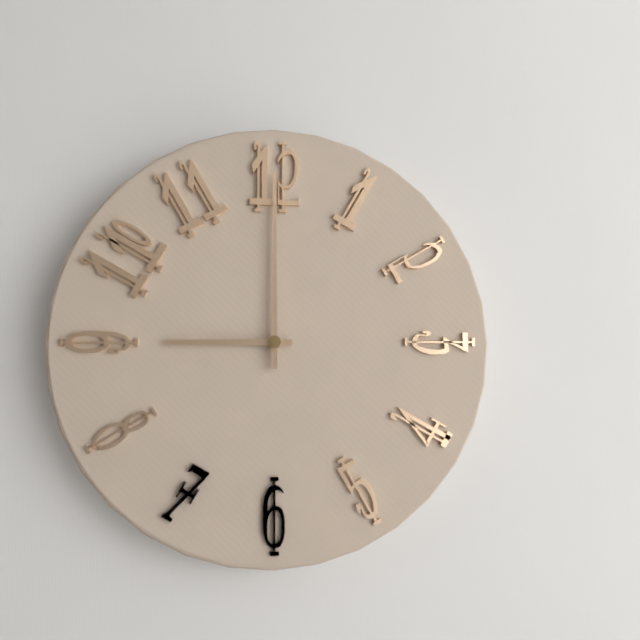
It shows 9 h 00 min
